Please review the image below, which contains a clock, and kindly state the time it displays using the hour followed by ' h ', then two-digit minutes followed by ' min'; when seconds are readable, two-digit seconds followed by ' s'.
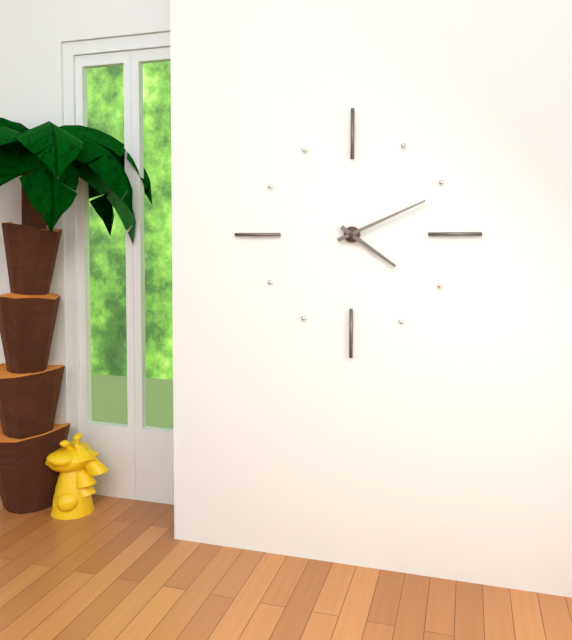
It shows 4 h 11 min
